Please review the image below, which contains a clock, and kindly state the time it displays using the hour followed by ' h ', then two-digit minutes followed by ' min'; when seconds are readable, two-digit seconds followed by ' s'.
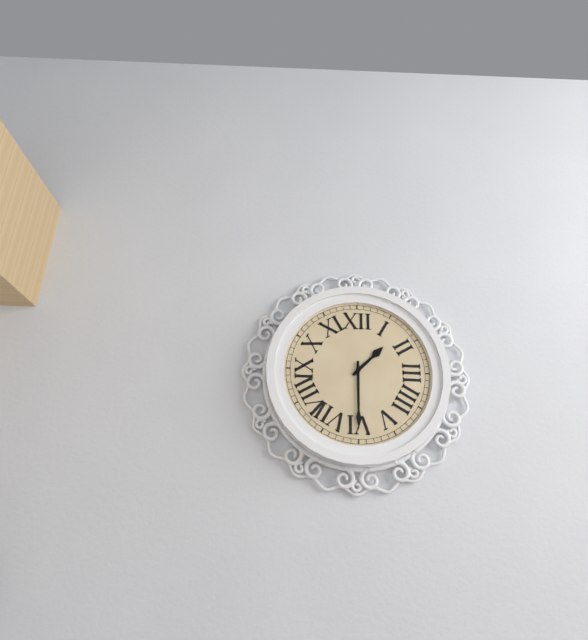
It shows 1 h 30 min
